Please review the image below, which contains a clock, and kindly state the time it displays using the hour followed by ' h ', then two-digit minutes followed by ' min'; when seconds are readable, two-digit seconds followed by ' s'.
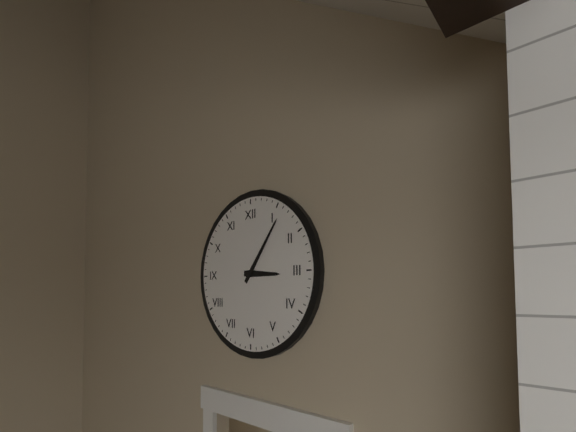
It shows 3 h 06 min
